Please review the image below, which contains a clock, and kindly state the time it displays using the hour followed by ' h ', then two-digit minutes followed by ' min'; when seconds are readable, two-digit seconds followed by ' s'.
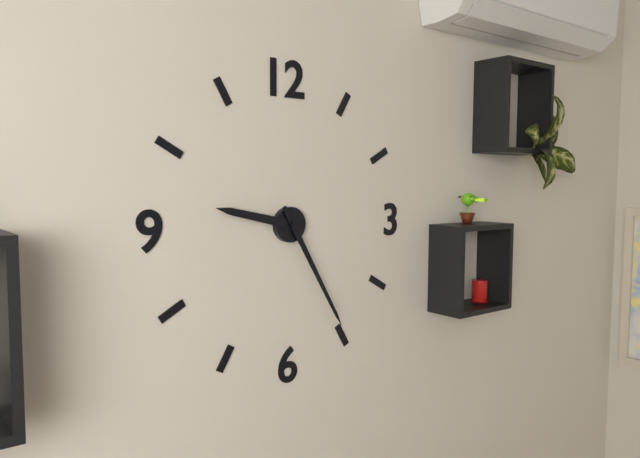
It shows 9 h 25 min
